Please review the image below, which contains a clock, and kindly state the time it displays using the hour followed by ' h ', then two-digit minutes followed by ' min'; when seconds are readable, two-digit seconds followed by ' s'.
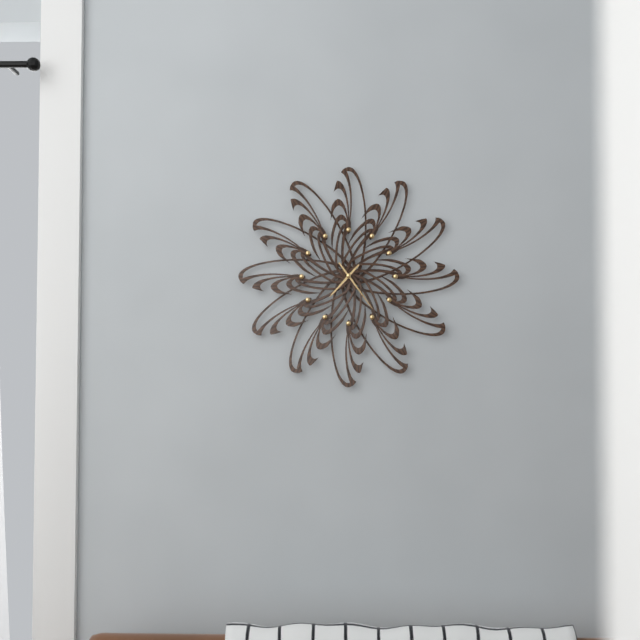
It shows 7 h 24 min
